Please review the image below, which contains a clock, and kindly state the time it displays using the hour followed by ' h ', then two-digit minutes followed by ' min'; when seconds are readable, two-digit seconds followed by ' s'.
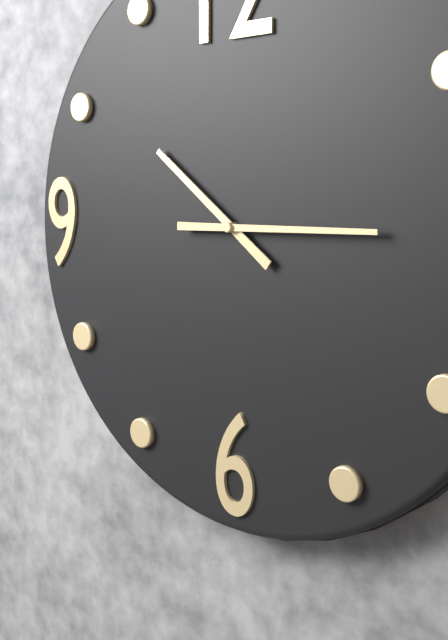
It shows 10 h 15 min
